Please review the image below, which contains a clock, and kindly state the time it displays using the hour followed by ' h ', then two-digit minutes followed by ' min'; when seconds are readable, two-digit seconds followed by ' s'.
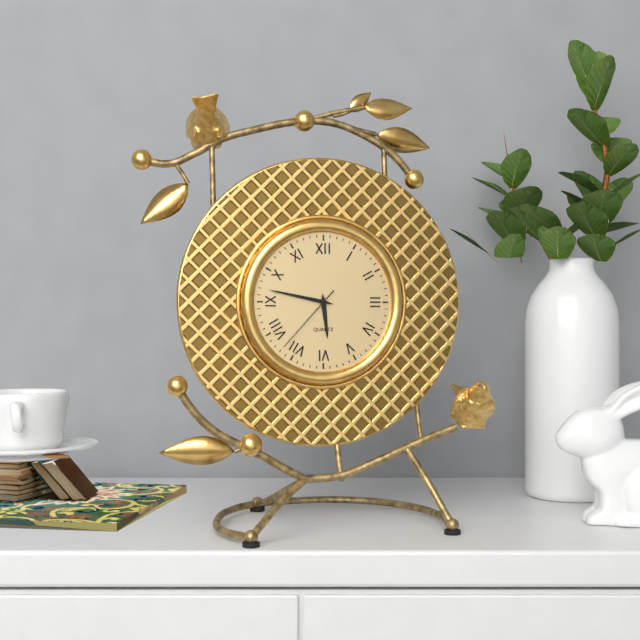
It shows 5 h 47 min 37 s
